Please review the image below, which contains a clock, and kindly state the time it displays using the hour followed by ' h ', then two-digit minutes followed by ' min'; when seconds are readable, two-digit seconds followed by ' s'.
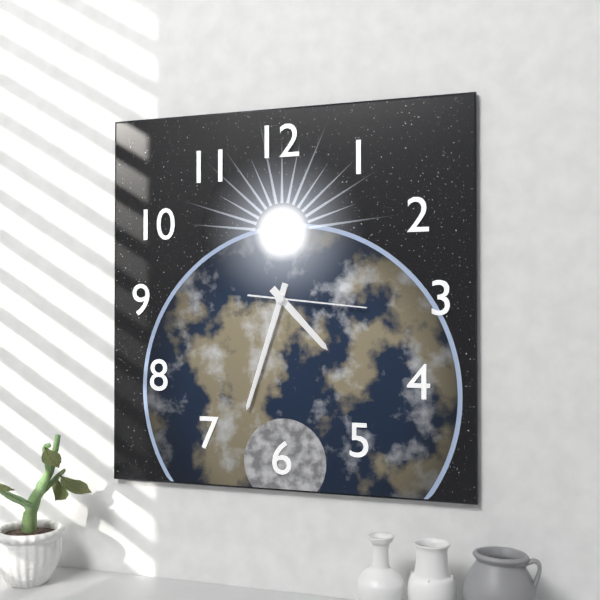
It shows 4 h 33 min 16 s
